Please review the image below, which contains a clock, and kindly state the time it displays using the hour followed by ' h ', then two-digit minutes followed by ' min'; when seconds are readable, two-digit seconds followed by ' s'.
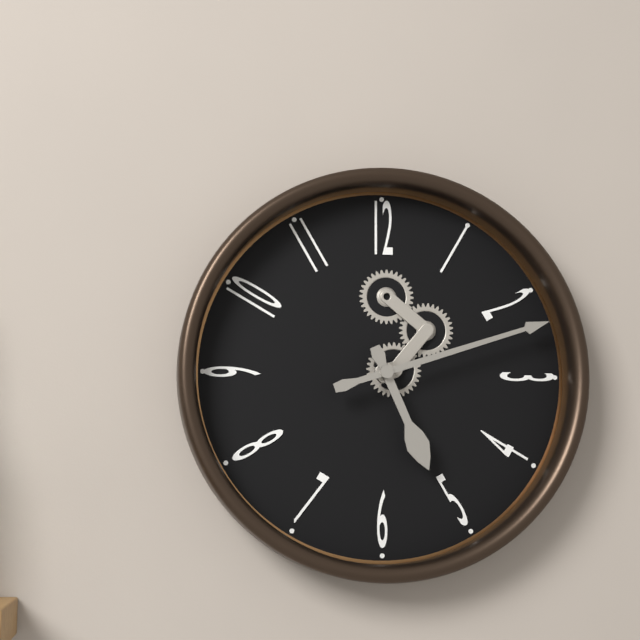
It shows 5 h 12 min
